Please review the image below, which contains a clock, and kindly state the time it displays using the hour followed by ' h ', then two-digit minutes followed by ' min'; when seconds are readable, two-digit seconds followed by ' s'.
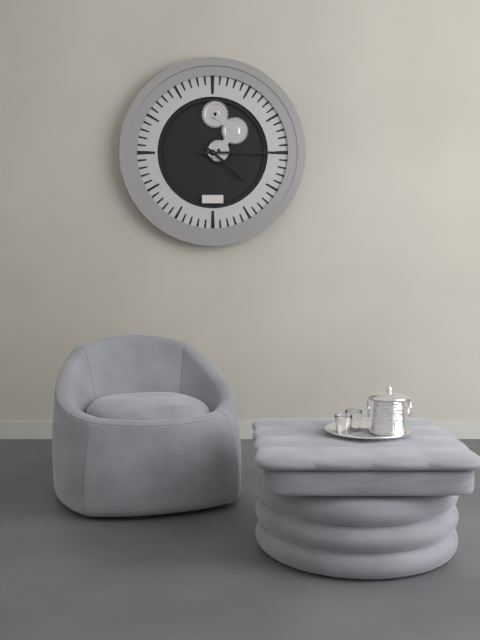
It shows 4 h 15 min
